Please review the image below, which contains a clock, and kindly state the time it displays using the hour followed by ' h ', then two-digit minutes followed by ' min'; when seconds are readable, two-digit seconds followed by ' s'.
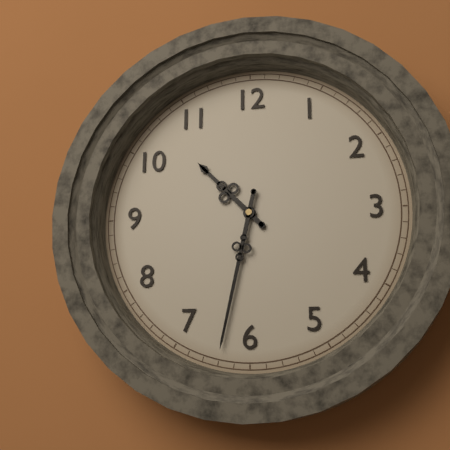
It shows 10 h 32 min
